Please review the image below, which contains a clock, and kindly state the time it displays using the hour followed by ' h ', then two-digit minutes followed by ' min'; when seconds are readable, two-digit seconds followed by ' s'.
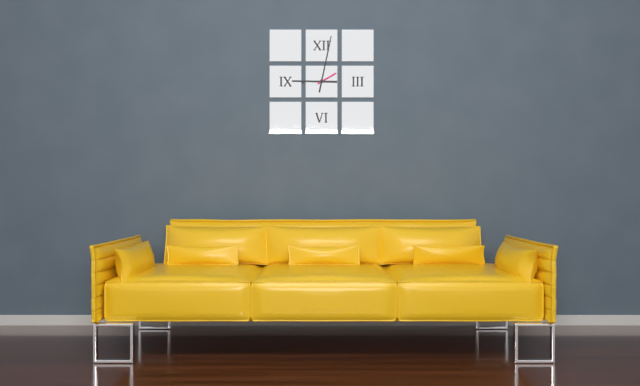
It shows 9 h 02 min
